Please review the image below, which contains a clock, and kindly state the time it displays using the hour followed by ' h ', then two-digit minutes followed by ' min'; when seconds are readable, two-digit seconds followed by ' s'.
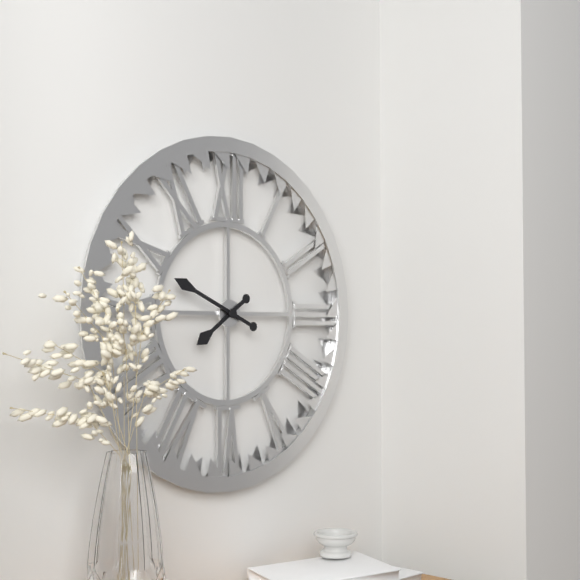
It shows 7 h 49 min
